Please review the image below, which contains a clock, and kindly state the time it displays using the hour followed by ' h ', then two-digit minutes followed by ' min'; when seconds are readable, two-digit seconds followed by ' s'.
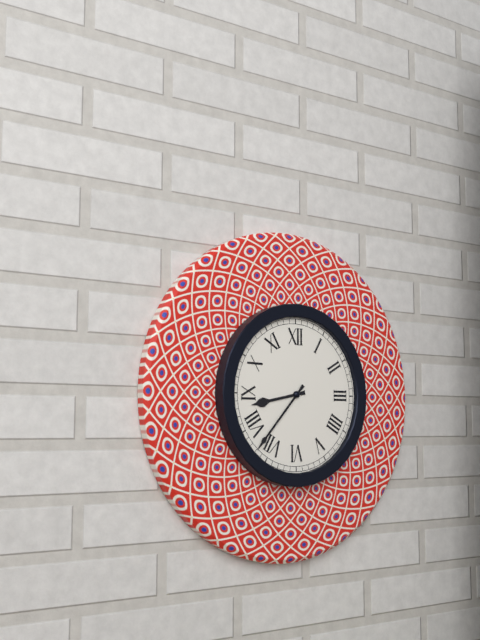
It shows 8 h 37 min
